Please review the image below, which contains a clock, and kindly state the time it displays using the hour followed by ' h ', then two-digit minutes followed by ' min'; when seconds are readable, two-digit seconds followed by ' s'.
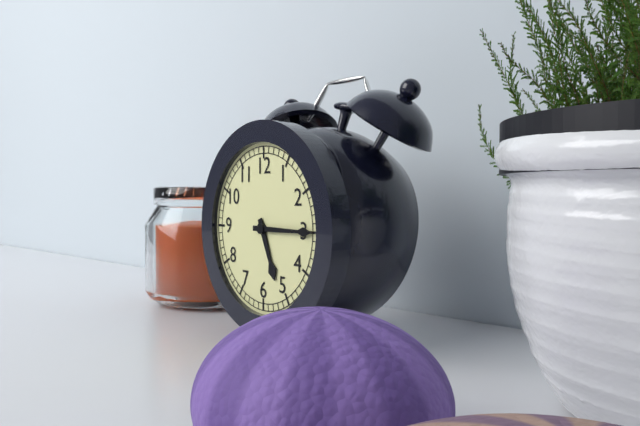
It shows 5 h 15 min
